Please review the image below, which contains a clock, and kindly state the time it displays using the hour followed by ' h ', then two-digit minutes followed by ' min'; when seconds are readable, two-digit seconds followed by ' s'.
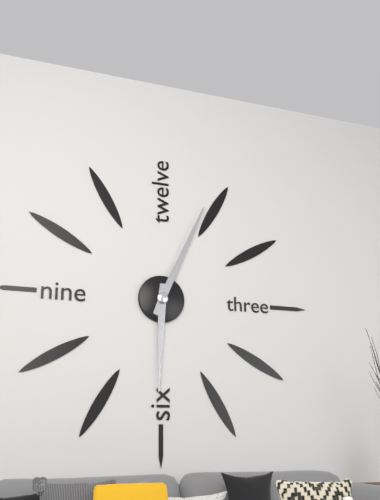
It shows 6 h 04 min
